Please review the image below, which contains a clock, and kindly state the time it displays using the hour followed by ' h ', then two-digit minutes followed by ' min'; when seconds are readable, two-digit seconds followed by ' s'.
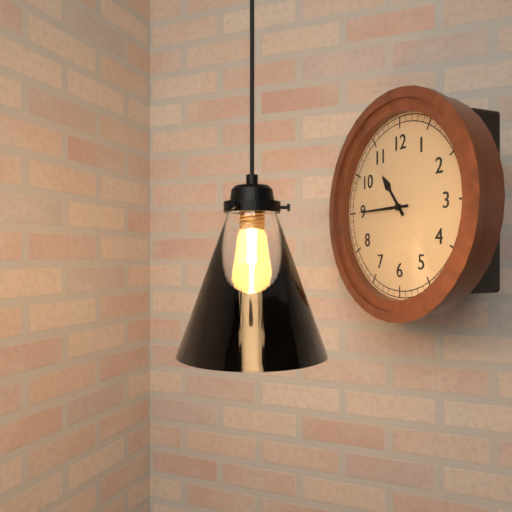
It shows 10 h 45 min
